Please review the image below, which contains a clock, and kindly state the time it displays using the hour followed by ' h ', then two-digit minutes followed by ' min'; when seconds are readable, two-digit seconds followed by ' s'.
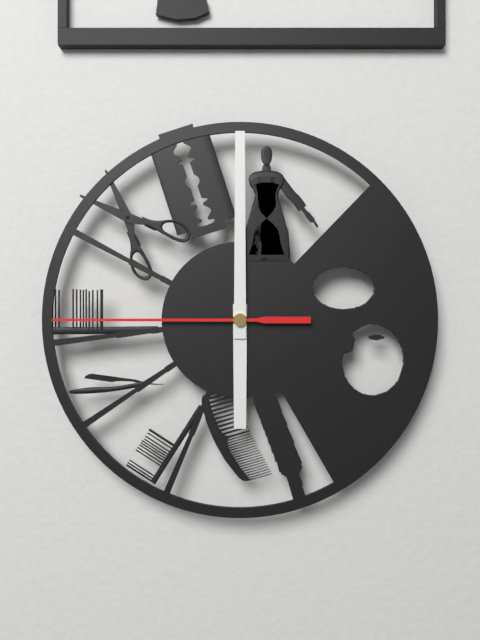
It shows 6 h 00 min 45 s
